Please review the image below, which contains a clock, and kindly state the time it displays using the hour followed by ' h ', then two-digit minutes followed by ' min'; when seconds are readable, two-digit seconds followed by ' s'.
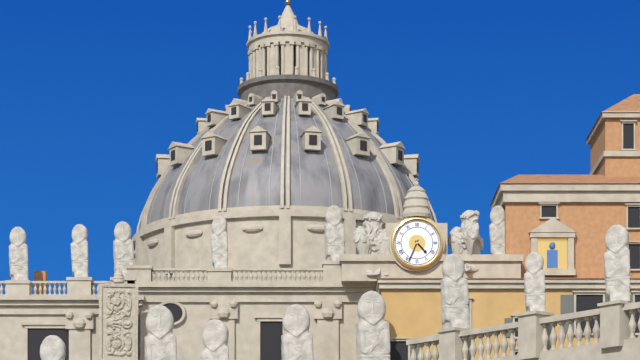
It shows 4 h 34 min
